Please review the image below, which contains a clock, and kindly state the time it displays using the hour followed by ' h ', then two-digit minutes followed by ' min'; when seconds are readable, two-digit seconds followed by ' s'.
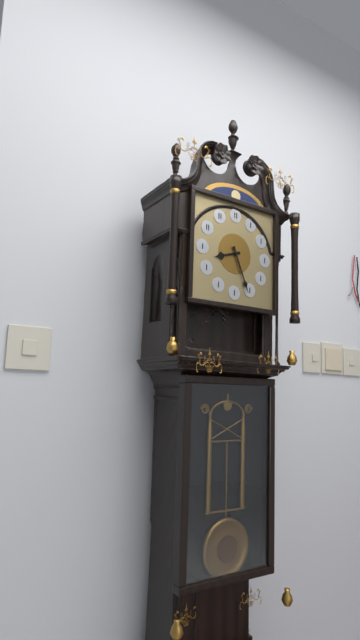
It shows 8 h 26 min
